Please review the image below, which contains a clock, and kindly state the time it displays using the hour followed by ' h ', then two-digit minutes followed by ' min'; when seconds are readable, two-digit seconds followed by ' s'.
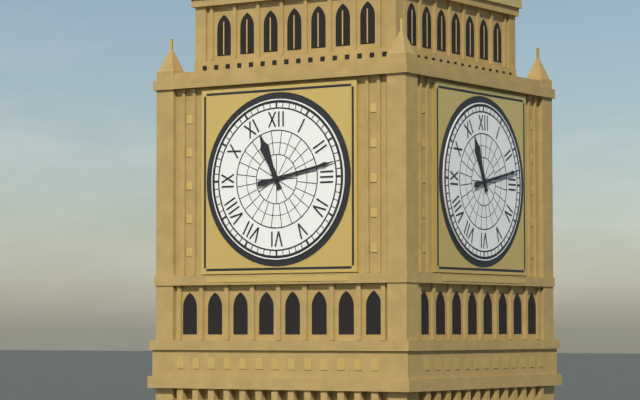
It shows 11 h 13 min
